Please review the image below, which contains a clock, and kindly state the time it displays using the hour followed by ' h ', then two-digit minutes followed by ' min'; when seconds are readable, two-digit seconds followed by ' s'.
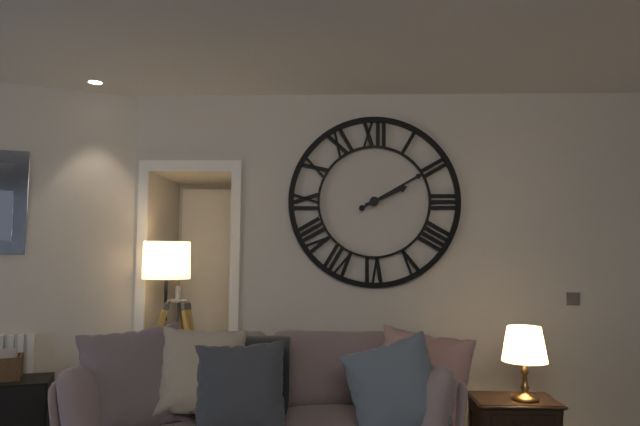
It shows 2 h 10 min
